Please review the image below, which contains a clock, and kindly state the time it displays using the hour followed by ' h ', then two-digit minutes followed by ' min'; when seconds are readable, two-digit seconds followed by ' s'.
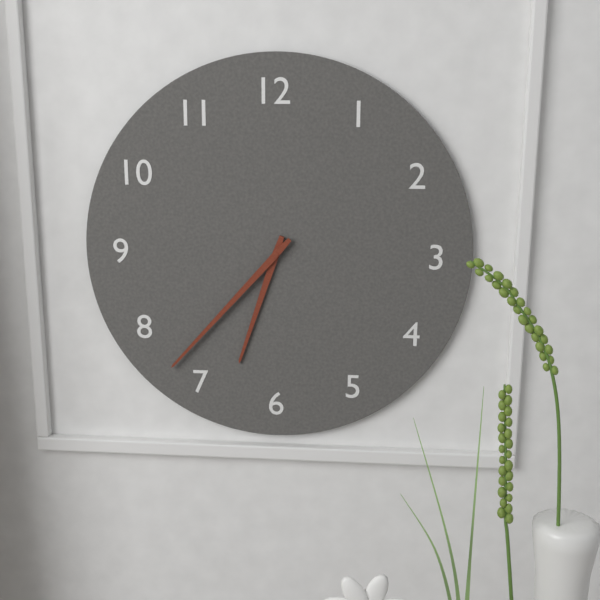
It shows 6 h 37 min
